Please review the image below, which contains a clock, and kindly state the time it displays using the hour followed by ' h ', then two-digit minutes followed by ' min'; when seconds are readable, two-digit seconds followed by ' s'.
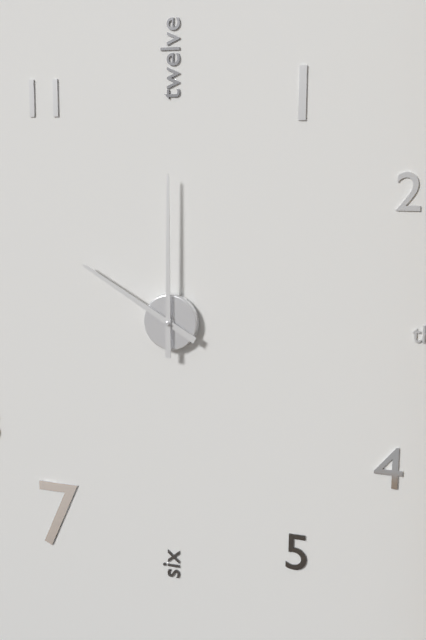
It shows 10 h 00 min
